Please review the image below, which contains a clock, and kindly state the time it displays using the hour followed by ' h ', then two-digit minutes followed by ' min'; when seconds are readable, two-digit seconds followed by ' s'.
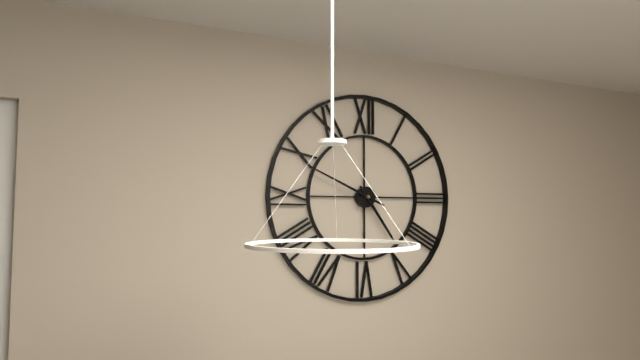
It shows 4 h 49 min
